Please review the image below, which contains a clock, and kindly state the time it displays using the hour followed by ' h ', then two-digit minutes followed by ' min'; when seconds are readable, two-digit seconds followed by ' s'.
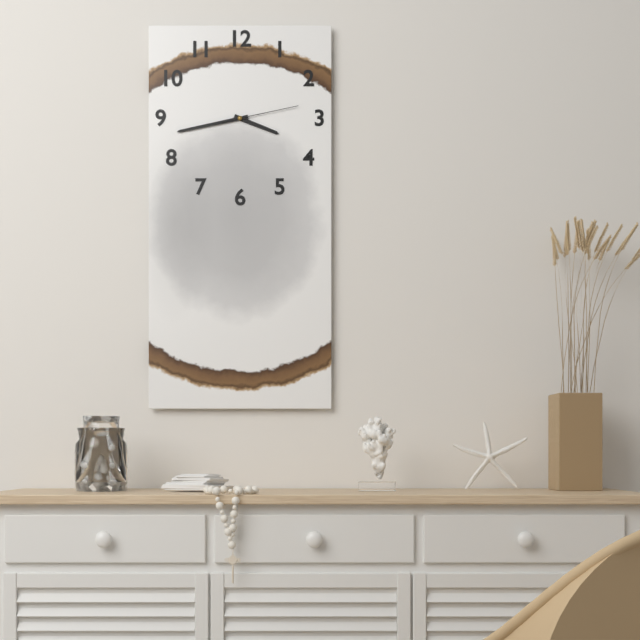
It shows 3 h 43 min 13 s
